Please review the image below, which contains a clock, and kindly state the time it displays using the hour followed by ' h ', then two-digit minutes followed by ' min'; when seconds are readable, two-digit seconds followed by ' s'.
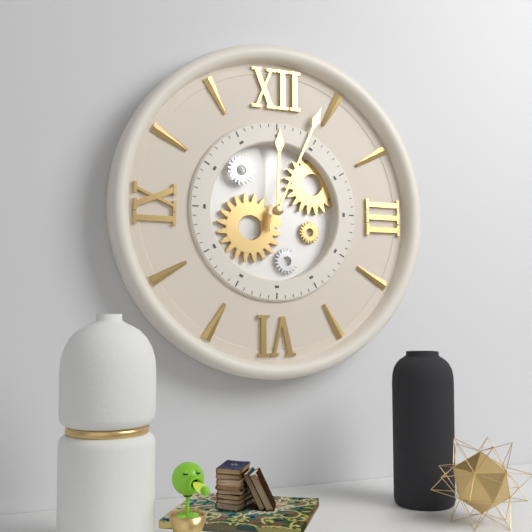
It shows 12 h 04 min
